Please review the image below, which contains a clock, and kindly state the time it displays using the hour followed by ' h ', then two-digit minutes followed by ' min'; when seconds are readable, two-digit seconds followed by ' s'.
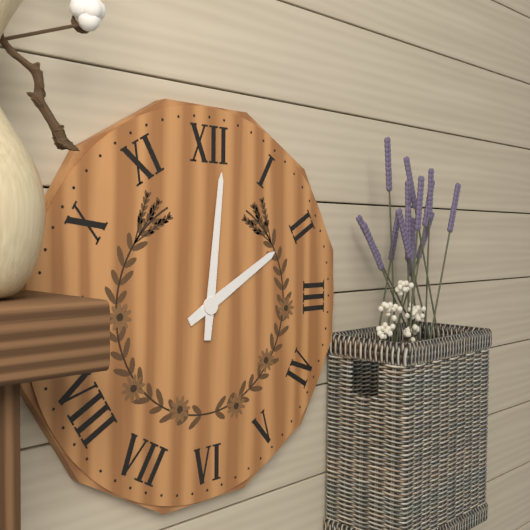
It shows 2 h 01 min
